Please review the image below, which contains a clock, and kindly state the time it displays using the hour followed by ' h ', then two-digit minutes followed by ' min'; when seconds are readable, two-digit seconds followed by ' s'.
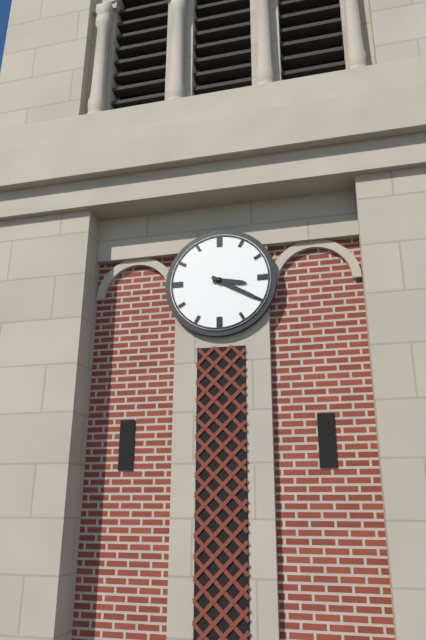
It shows 3 h 20 min
